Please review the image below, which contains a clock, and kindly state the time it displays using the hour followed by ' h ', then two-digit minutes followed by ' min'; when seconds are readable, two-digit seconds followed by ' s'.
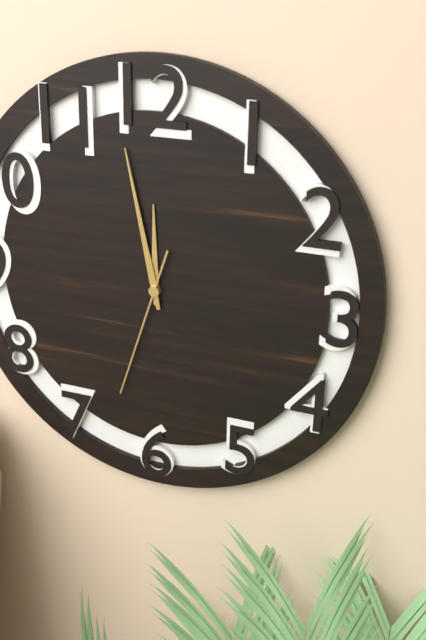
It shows 11 h 58 min 33 s
